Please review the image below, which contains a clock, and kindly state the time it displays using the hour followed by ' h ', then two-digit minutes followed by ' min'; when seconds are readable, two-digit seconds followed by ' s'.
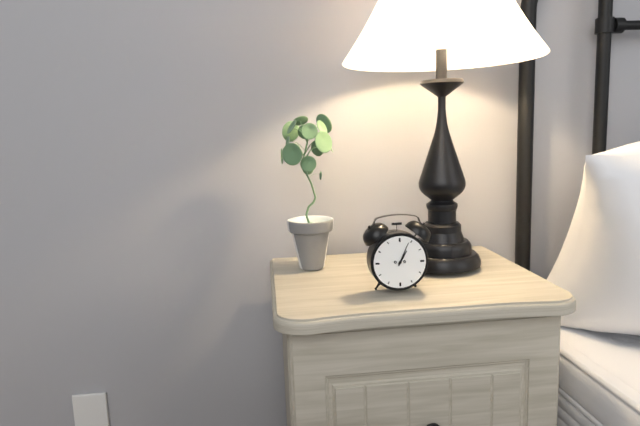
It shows 1 h 04 min
